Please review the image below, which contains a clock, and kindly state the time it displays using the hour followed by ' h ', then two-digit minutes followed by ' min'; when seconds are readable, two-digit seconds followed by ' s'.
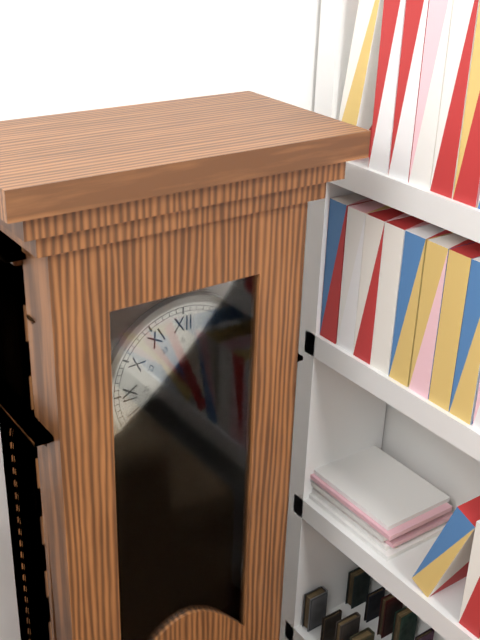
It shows 6 h 28 min
